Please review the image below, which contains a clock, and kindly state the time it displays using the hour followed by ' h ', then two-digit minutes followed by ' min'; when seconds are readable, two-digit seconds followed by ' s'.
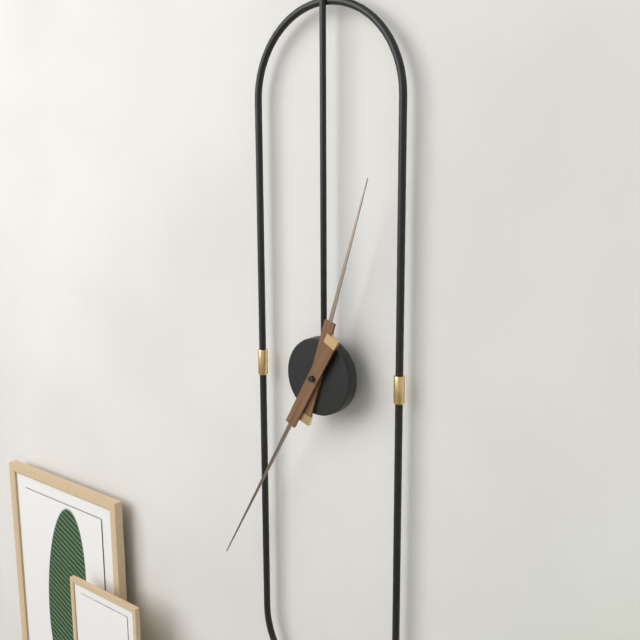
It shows 12 h 35 min
